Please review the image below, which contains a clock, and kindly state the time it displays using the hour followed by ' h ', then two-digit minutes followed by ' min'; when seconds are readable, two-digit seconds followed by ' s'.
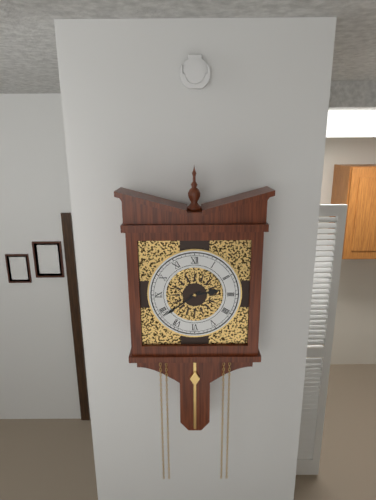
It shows 2 h 39 min
